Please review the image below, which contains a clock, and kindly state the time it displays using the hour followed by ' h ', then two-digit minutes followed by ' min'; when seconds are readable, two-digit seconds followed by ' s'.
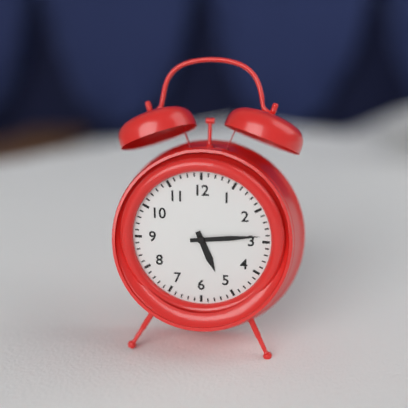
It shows 5 h 14 min
